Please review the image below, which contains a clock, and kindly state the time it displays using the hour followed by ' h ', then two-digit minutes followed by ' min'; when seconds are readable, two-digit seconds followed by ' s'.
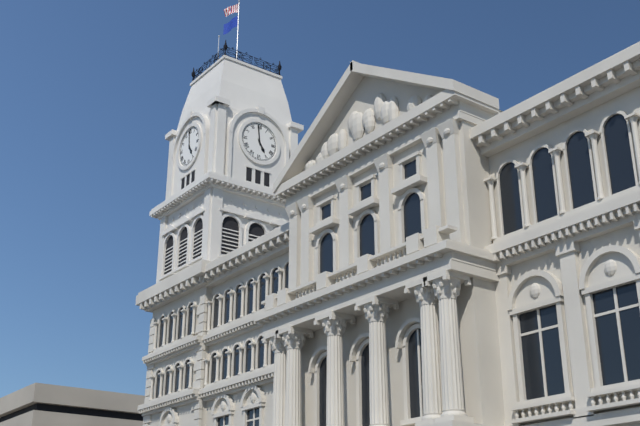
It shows 4 h 59 min
